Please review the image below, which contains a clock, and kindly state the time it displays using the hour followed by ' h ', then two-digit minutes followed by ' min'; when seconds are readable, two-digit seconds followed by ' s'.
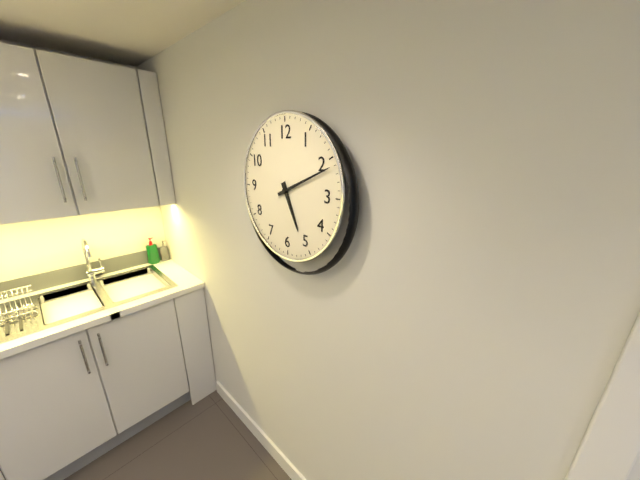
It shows 5 h 11 min
